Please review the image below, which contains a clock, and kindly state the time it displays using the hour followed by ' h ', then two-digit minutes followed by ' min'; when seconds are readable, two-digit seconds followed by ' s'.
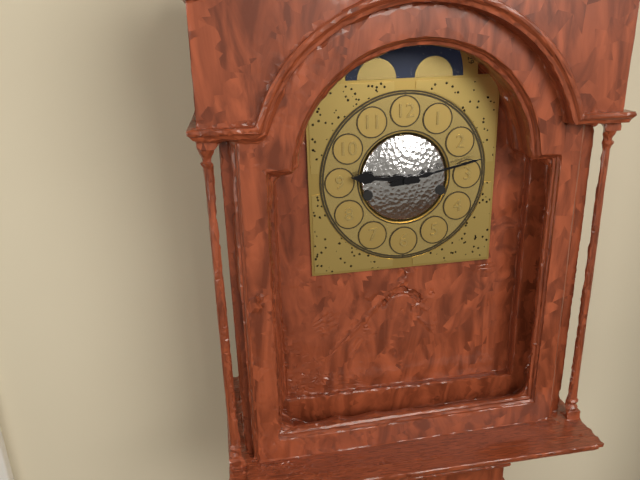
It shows 9 h 13 min
